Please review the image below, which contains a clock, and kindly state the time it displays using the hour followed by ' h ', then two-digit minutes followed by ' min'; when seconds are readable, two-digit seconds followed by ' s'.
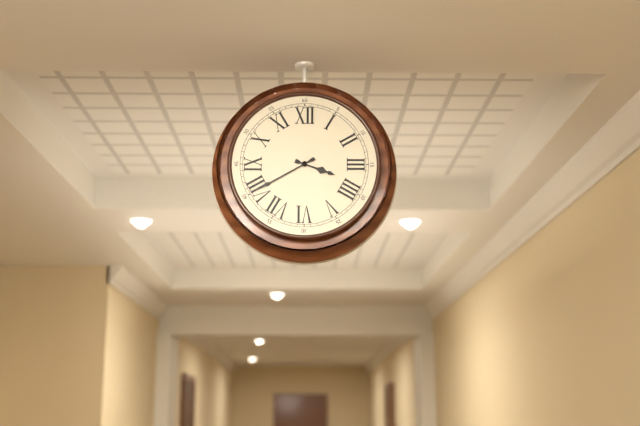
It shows 3 h 40 min
